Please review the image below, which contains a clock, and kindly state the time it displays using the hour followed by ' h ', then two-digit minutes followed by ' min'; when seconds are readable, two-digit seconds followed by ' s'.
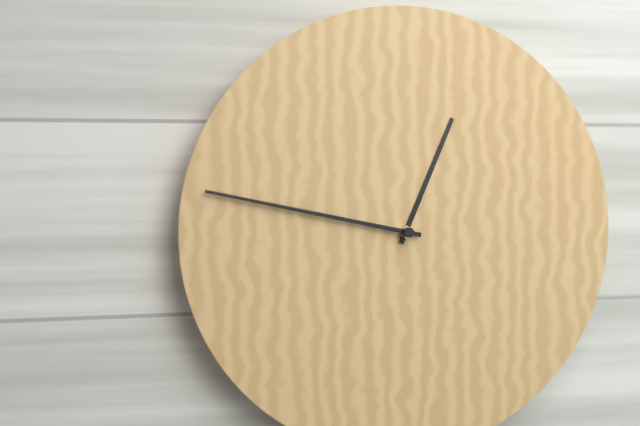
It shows 12 h 47 min
